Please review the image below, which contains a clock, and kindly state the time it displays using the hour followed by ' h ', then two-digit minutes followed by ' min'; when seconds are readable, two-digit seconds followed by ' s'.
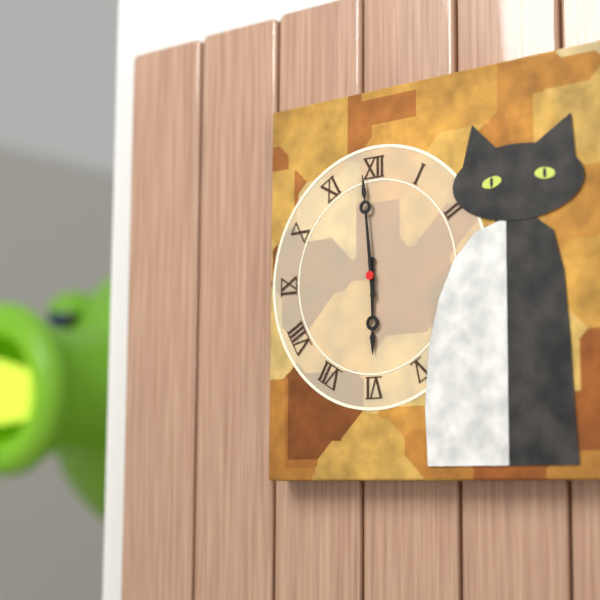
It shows 5 h 59 min
